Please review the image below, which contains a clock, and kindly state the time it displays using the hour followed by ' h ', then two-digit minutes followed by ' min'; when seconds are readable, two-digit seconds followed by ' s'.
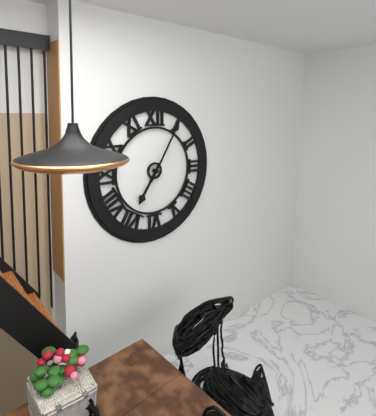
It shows 7 h 05 min
